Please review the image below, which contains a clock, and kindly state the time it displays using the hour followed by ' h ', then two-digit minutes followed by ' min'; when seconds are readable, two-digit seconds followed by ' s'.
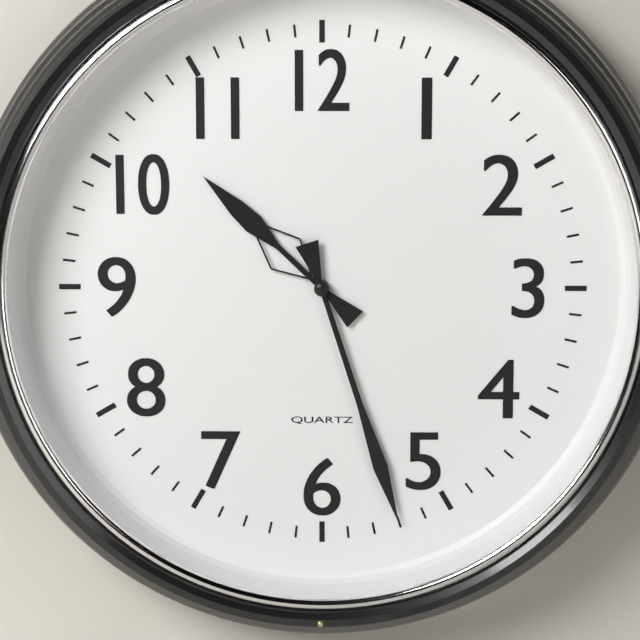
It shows 10 h 27 min
